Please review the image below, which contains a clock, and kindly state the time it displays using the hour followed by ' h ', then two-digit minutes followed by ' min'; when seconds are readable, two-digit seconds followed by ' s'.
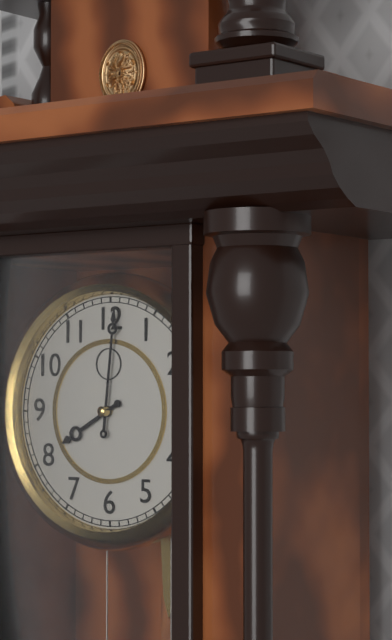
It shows 8 h 01 min
